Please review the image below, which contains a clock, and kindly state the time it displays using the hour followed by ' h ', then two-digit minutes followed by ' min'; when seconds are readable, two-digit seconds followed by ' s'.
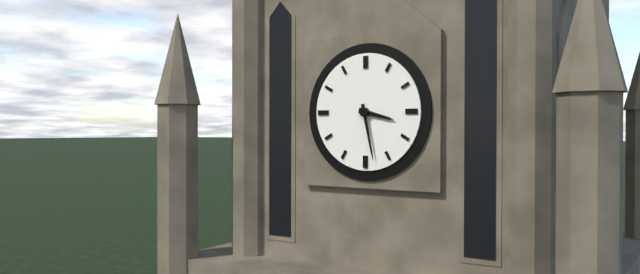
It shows 3 h 28 min
